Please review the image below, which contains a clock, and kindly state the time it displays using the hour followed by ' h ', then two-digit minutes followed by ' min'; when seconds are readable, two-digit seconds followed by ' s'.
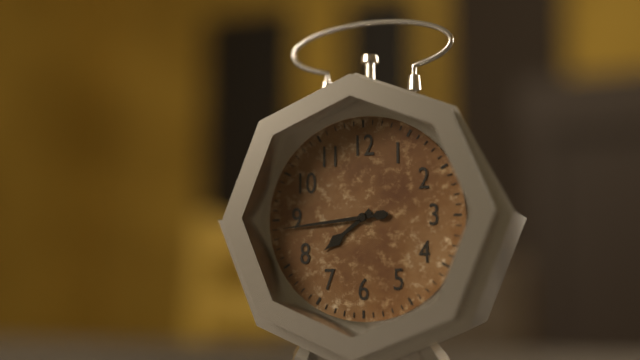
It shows 7 h 44 min
